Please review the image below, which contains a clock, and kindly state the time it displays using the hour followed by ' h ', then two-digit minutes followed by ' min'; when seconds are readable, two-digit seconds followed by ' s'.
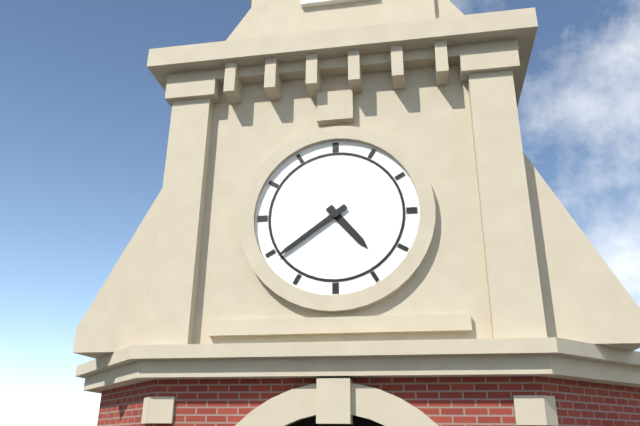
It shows 4 h 39 min
